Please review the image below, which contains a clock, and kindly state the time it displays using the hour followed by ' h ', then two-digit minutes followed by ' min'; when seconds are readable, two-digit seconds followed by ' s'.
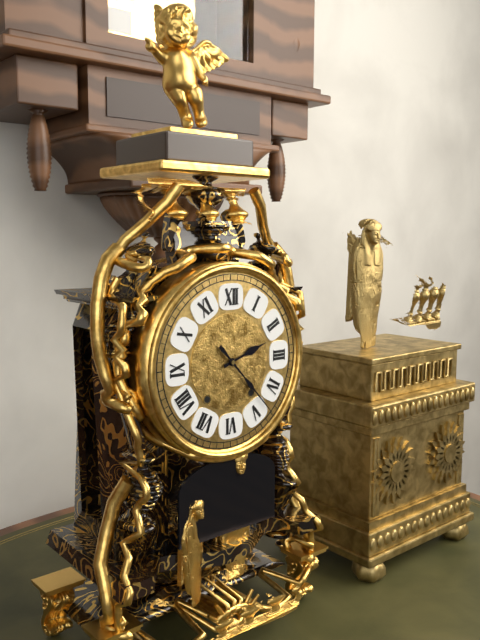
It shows 2 h 23 min
